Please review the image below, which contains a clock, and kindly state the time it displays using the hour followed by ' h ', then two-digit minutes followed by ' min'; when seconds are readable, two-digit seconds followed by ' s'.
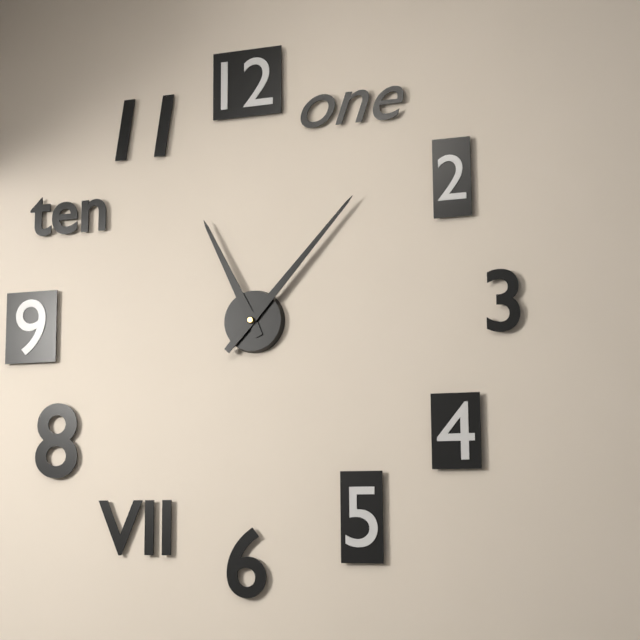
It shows 11 h 07 min
